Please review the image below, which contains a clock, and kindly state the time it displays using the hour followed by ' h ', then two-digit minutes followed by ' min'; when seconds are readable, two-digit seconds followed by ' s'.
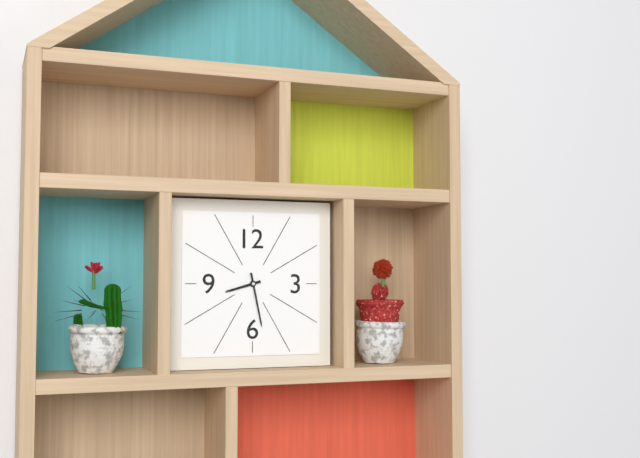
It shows 8 h 28 min
